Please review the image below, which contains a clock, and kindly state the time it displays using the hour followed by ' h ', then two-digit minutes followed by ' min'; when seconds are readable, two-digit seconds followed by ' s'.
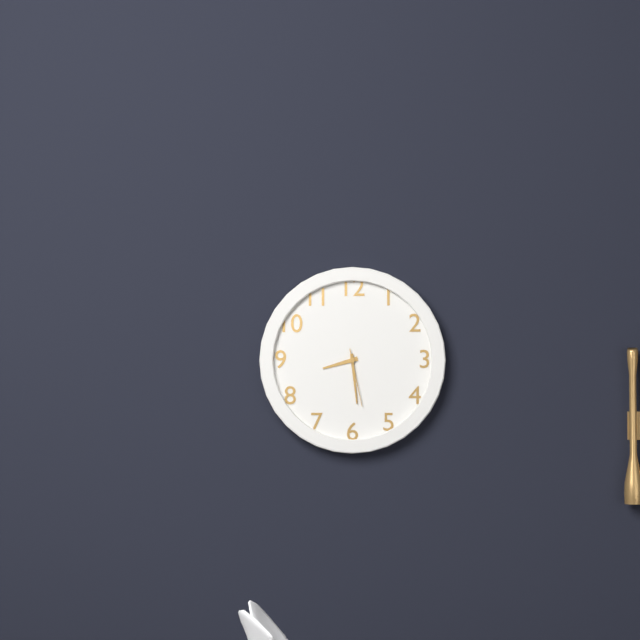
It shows 8 h 29 min 28 s
